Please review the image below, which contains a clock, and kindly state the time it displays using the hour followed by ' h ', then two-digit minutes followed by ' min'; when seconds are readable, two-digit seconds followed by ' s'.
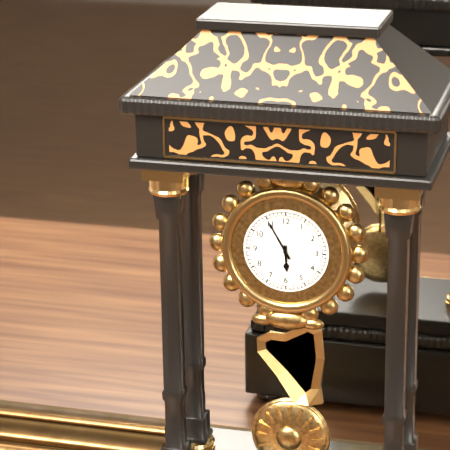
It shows 5 h 55 min
